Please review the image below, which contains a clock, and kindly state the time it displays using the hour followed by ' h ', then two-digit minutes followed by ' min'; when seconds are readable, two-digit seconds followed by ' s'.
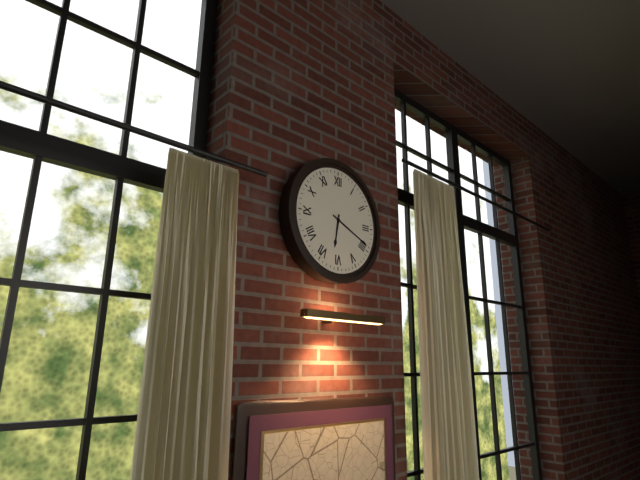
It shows 6 h 19 min
